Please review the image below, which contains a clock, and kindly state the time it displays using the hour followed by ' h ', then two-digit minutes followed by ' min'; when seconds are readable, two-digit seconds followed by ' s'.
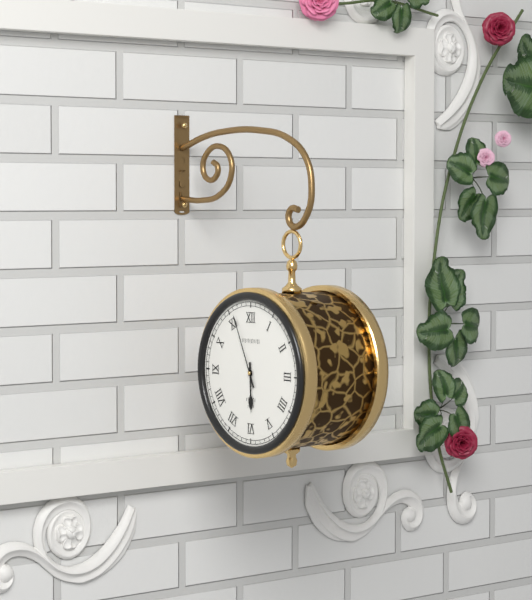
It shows 5 h 56 min
